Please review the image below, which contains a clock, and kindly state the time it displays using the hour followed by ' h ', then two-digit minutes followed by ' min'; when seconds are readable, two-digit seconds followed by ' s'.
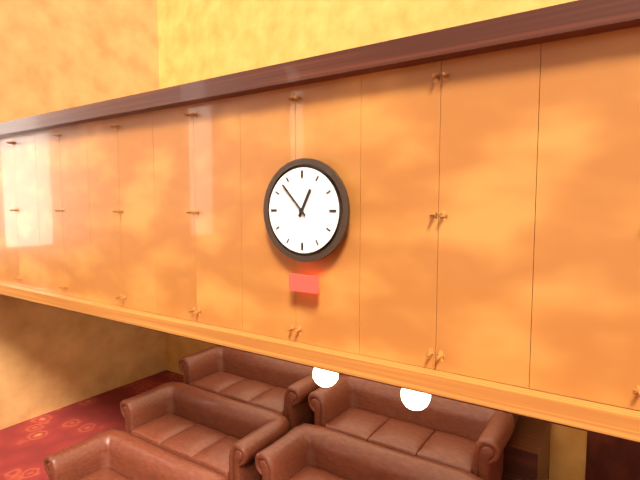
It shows 12 h 53 min
